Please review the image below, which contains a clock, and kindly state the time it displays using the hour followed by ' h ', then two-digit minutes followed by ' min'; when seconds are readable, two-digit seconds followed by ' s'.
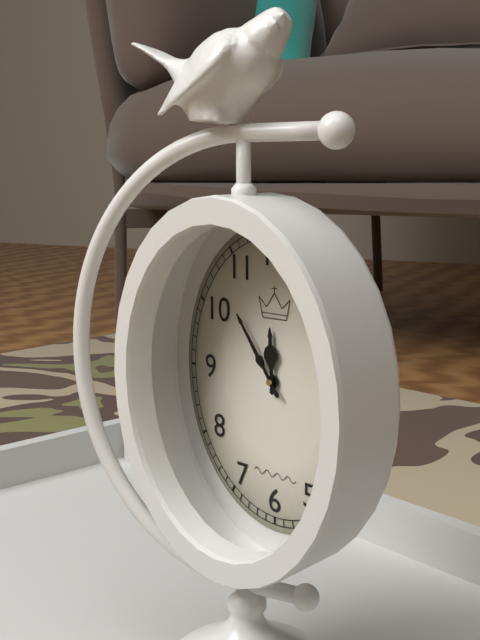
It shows 11 h 54 min
